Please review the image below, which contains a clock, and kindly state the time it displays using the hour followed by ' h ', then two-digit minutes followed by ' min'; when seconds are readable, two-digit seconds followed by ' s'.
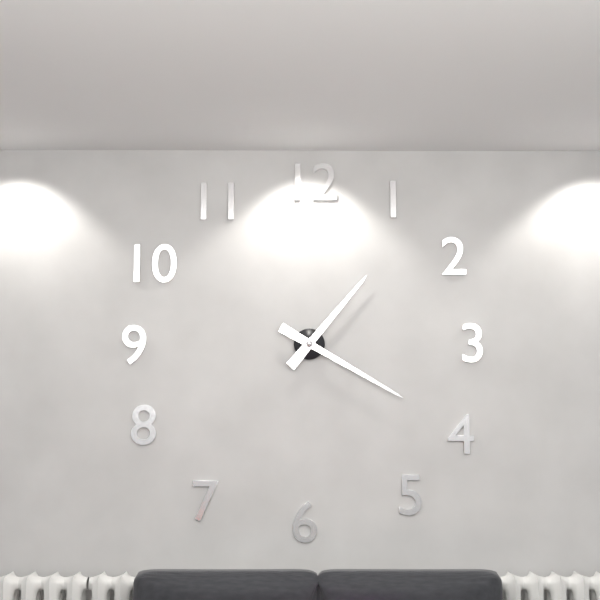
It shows 1 h 20 min
